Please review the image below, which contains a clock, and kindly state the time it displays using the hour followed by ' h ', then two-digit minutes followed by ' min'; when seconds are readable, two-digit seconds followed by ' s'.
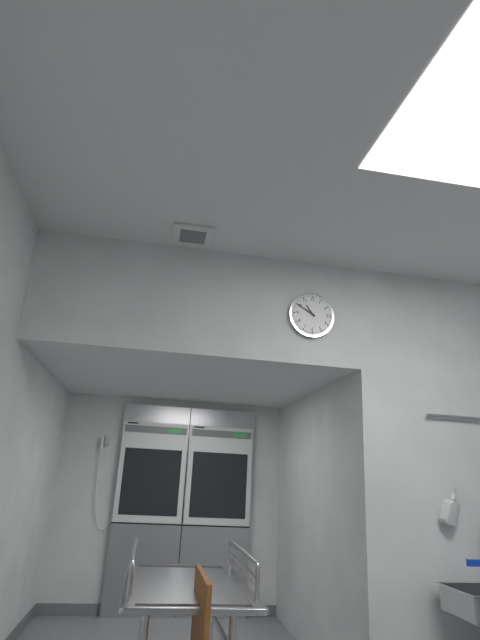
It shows 10 h 50 min
